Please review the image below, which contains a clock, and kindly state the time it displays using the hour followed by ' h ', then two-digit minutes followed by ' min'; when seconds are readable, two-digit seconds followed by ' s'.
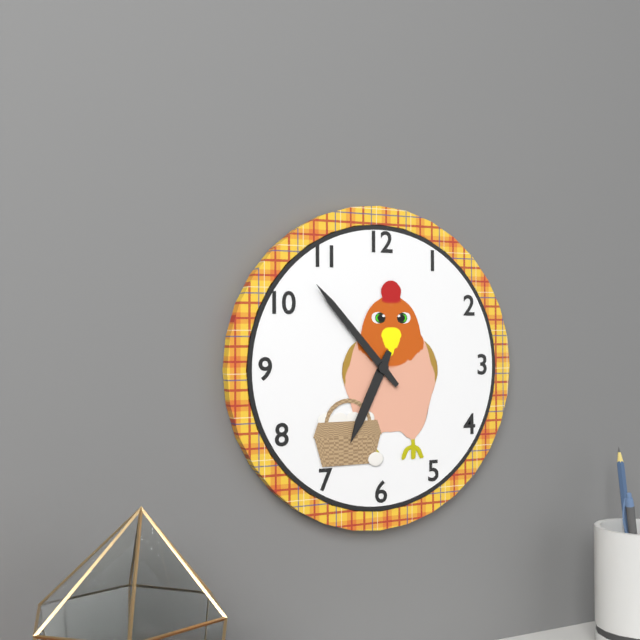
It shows 6 h 53 min
